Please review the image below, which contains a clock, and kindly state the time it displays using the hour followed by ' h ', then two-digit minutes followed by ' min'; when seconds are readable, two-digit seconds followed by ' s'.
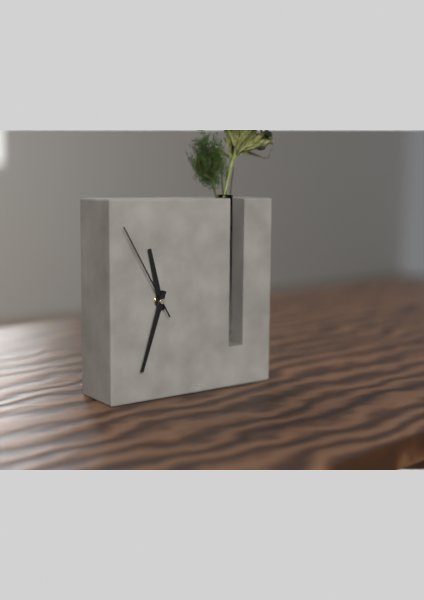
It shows 11 h 33 min 55 s
